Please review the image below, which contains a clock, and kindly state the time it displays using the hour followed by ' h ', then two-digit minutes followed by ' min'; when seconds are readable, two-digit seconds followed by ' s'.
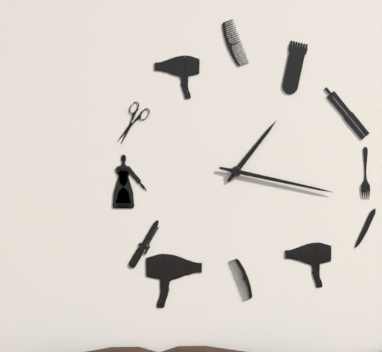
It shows 1 h 17 min
